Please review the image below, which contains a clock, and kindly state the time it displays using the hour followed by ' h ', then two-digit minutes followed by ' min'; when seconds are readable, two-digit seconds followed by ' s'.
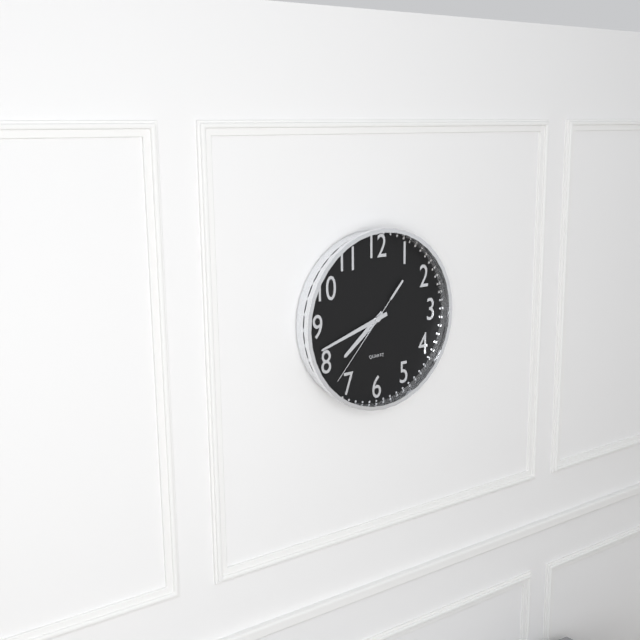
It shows 7 h 42 min 37 s
